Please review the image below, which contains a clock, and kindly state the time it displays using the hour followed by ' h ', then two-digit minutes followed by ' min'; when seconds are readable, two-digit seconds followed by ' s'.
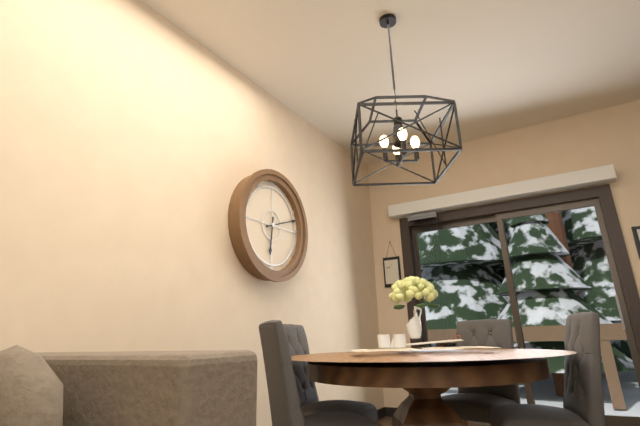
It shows 6 h 12 min
